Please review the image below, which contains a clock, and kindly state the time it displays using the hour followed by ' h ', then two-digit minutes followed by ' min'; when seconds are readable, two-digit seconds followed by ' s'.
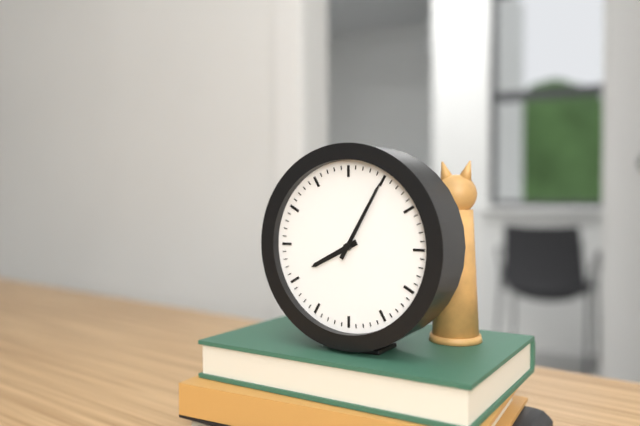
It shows 8 h 05 min
